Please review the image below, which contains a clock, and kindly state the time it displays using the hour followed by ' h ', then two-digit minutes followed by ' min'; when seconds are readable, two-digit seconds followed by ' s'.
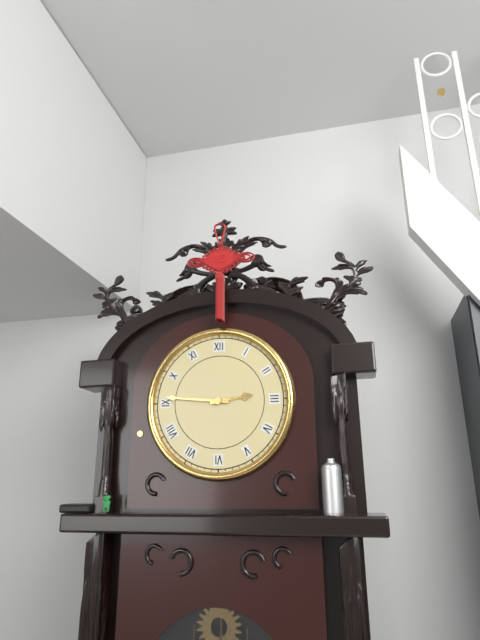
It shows 2 h 46 min
